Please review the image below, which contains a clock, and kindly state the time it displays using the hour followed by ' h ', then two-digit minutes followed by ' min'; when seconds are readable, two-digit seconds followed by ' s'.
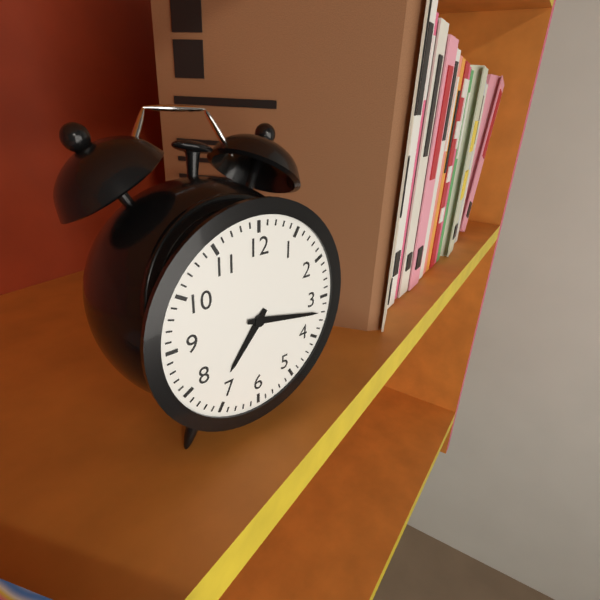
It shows 7 h 17 min
